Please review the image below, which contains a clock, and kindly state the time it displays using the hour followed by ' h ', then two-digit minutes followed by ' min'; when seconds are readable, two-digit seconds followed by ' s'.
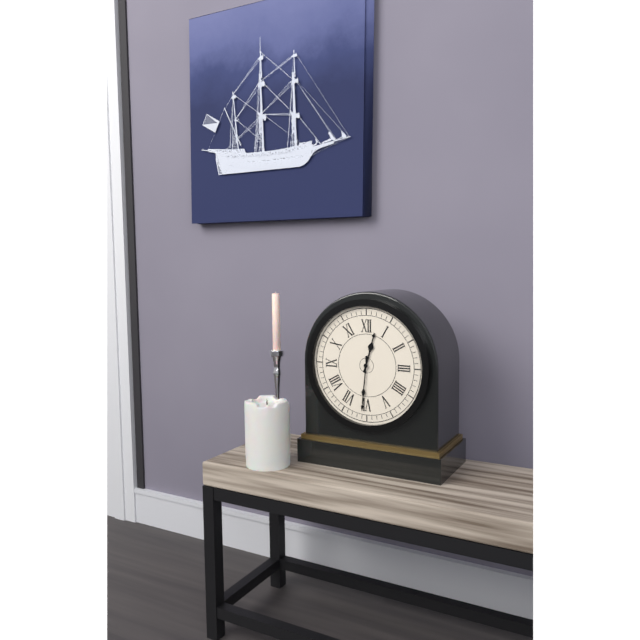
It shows 12 h 31 min
